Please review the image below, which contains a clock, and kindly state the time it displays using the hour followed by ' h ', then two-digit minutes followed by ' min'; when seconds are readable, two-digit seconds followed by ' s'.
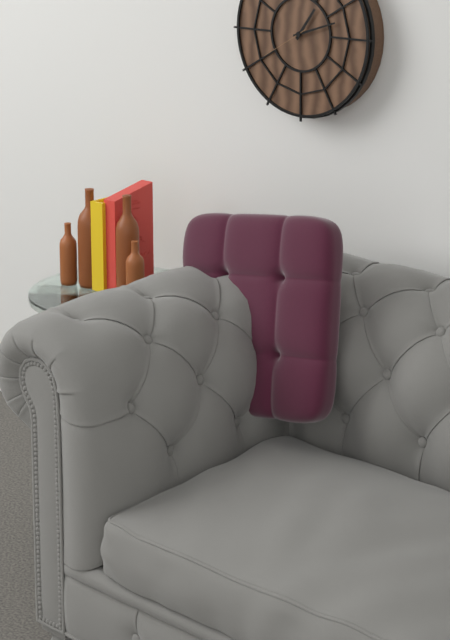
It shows 1 h 12 min 40 s
